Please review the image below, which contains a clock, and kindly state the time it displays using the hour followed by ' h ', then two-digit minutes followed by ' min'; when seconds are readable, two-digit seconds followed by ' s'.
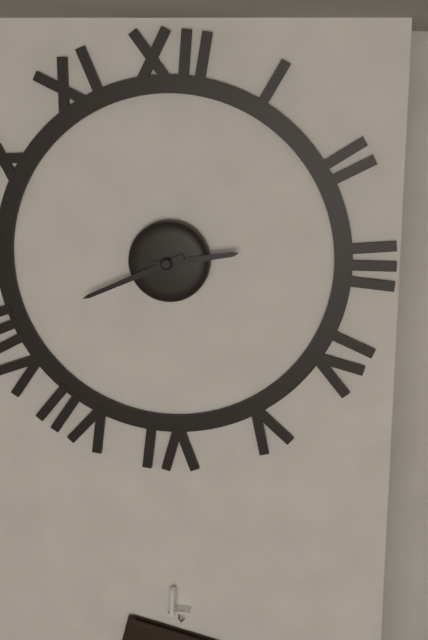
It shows 2 h 41 min
